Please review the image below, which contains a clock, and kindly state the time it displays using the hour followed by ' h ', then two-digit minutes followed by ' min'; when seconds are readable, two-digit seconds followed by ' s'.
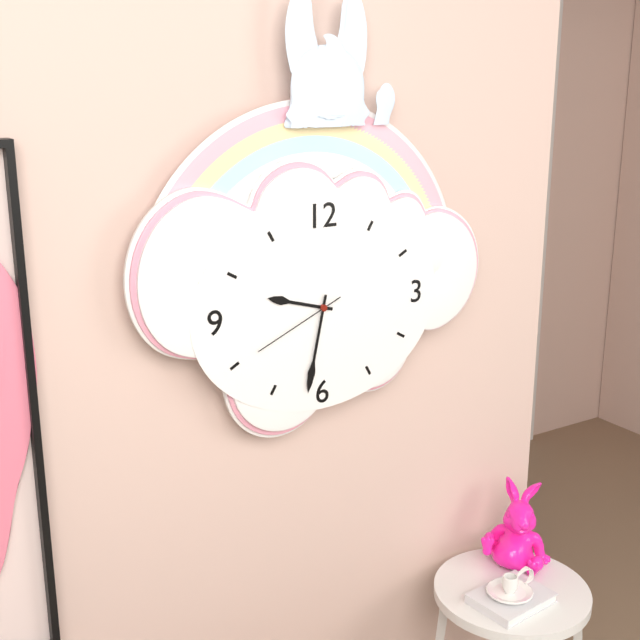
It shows 9 h 32 min 41 s
